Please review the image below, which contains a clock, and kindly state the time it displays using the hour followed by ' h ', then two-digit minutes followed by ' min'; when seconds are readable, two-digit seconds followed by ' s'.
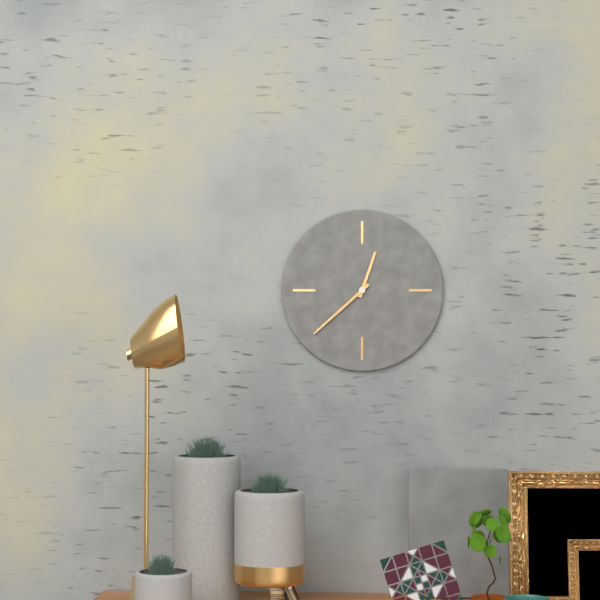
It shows 12 h 38 min
